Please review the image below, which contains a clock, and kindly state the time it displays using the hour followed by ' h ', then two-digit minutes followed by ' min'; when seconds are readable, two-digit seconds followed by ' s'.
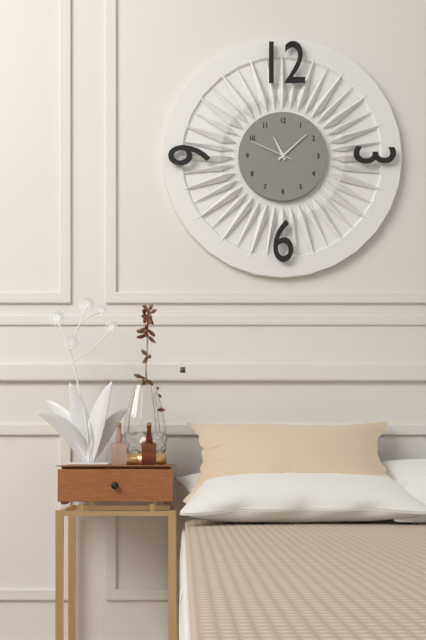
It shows 11 h 08 min
